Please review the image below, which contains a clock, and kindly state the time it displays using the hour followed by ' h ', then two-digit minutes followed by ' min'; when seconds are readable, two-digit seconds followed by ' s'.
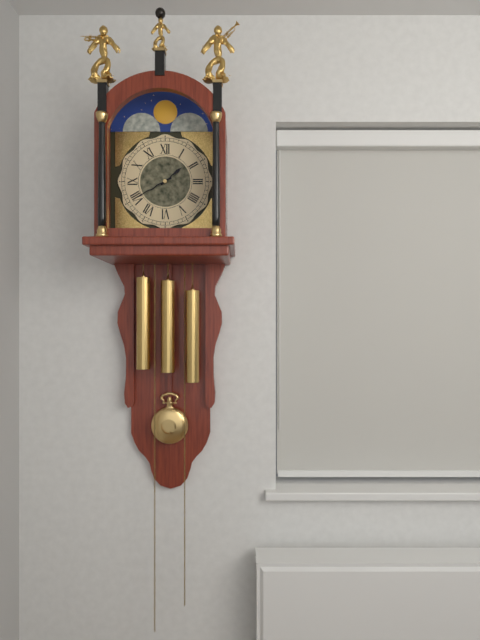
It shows 1 h 40 min
